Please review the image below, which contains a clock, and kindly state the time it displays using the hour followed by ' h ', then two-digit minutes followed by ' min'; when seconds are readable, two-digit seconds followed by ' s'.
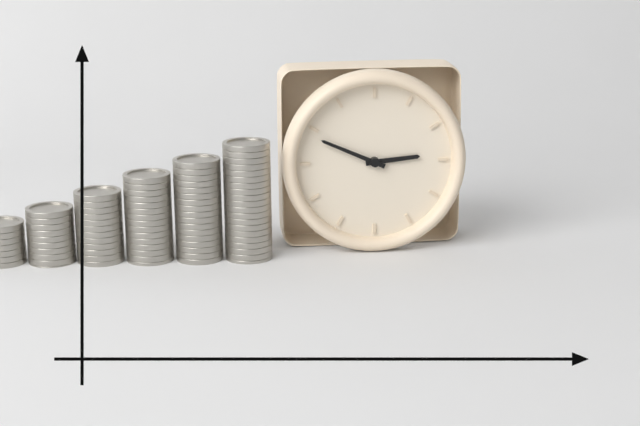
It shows 2 h 49 min
